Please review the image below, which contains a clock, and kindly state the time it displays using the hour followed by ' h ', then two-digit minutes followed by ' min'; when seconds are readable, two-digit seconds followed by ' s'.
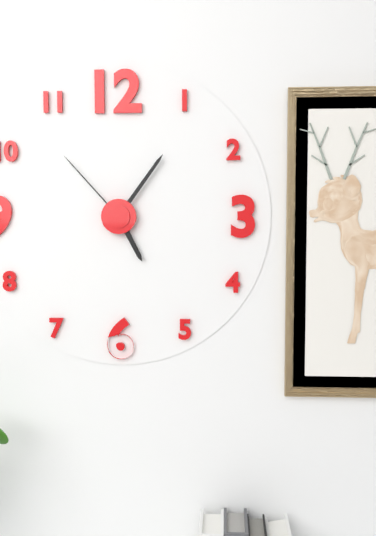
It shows 5 h 06 min 53 s
